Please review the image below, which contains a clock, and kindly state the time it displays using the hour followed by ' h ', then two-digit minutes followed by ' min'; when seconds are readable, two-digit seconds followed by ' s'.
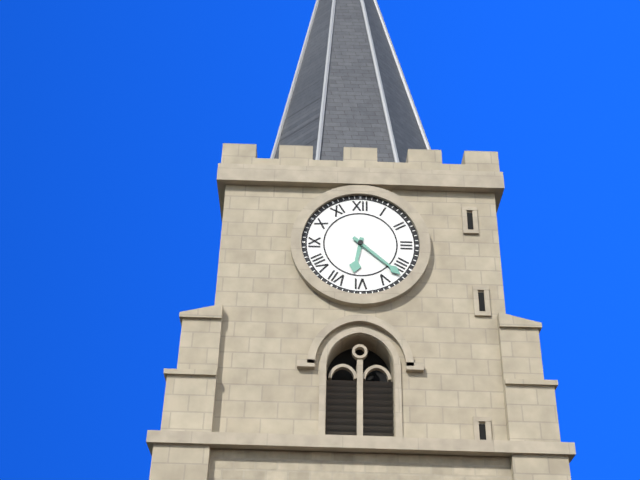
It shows 6 h 22 min
